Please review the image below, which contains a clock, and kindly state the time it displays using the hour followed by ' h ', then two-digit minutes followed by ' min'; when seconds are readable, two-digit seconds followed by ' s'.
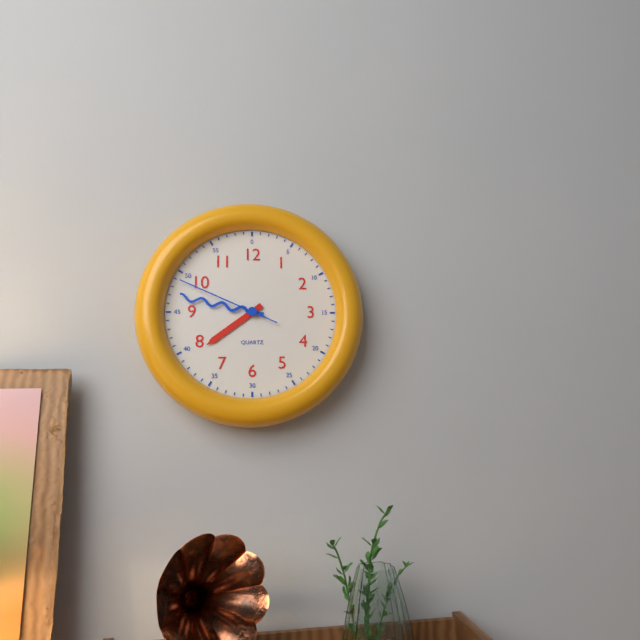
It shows 7 h 47 min 49 s
